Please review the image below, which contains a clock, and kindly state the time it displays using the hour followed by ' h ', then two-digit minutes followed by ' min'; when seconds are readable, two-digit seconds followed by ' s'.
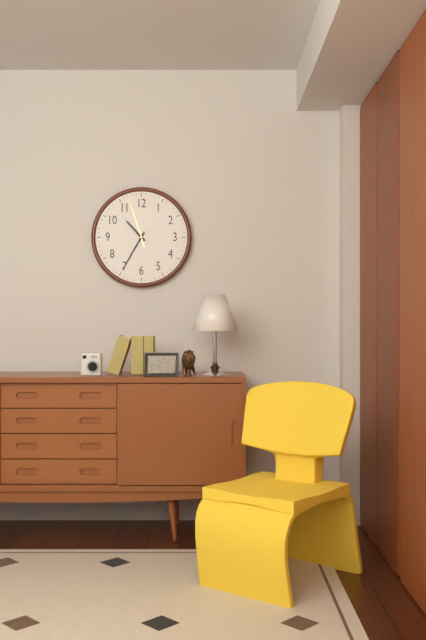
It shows 10 h 35 min
